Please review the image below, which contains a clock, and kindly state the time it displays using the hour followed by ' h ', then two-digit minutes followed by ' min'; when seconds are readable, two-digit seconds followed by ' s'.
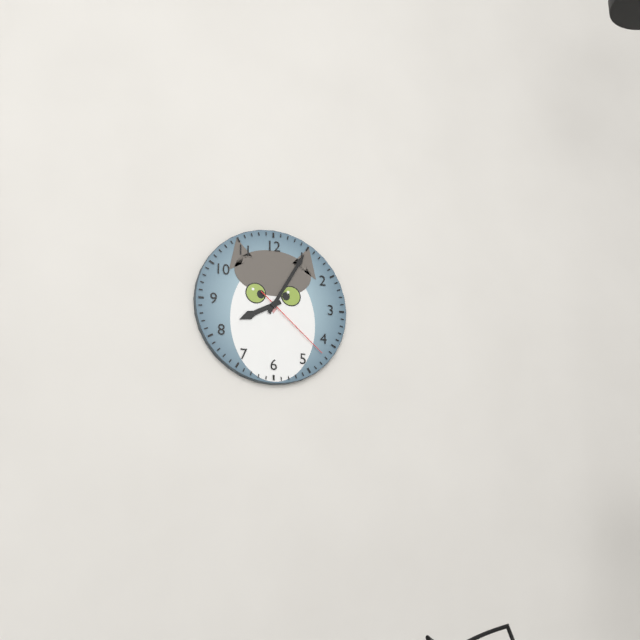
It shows 8 h 05 min 22 s
